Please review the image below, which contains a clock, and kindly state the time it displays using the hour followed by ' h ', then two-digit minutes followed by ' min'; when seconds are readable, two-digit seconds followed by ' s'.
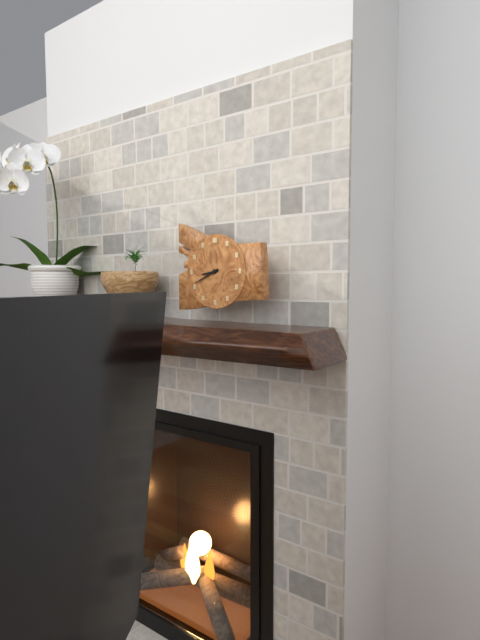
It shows 8 h 41 min
